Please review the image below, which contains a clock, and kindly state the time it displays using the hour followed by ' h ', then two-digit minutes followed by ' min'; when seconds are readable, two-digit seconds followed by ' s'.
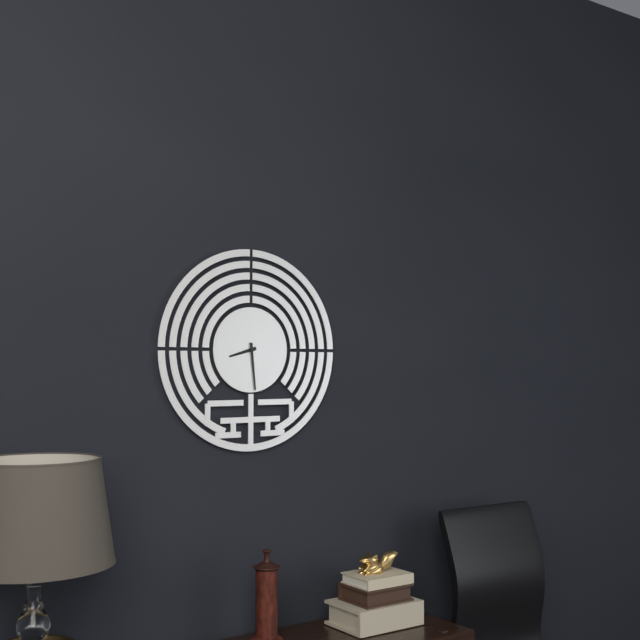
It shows 8 h 29 min
